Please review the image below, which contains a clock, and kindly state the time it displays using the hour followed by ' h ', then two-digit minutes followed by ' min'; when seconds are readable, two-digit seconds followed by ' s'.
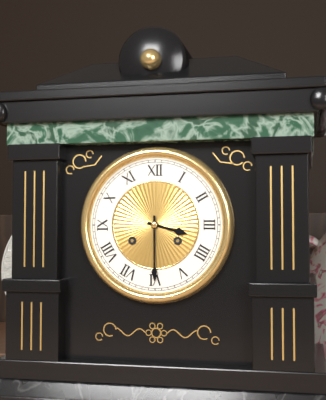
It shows 3 h 30 min
